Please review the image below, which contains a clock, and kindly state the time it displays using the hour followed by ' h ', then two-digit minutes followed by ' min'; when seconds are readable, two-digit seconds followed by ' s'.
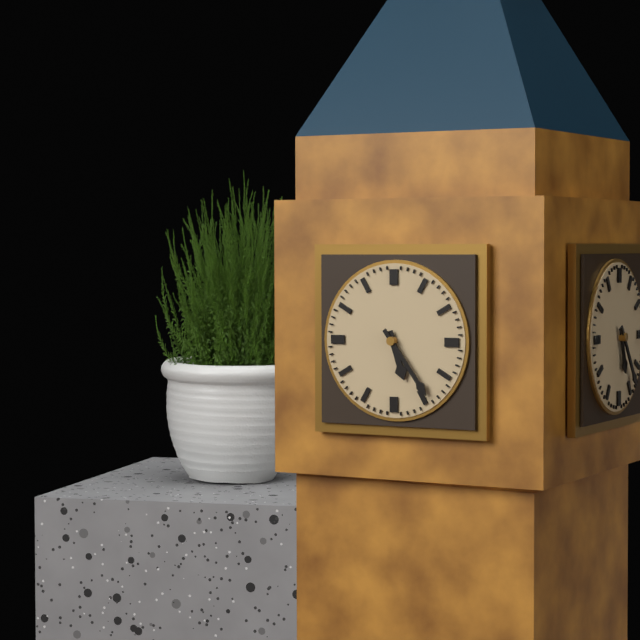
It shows 5 h 24 min
